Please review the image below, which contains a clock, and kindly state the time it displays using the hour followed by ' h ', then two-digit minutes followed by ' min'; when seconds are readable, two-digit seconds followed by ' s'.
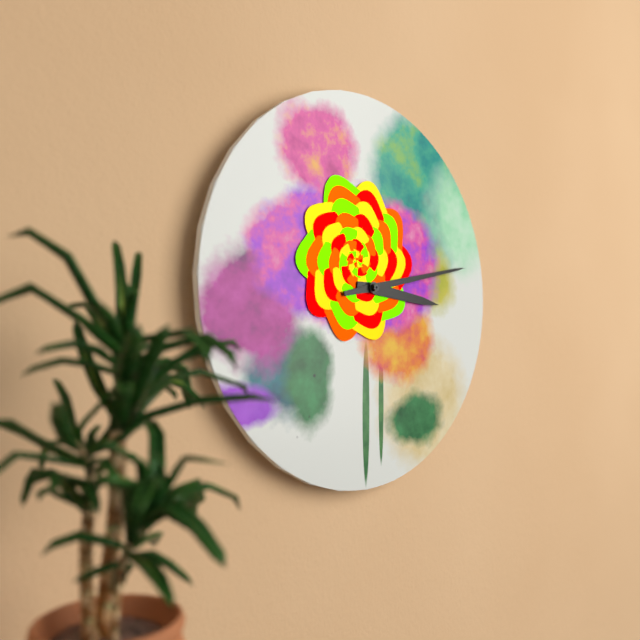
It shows 3 h 13 min
